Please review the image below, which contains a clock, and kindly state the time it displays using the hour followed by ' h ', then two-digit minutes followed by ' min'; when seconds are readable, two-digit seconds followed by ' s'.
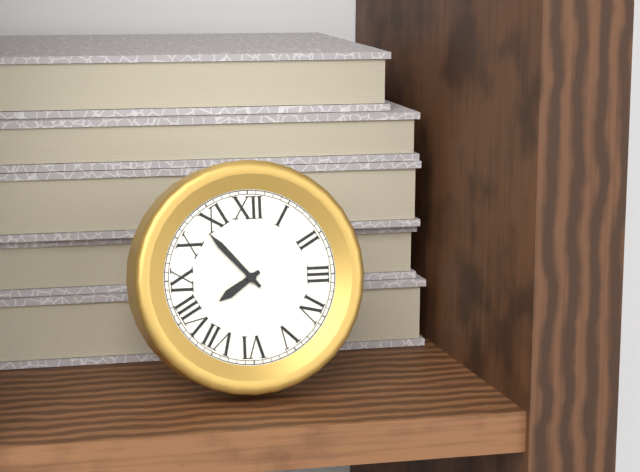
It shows 7 h 53 min
